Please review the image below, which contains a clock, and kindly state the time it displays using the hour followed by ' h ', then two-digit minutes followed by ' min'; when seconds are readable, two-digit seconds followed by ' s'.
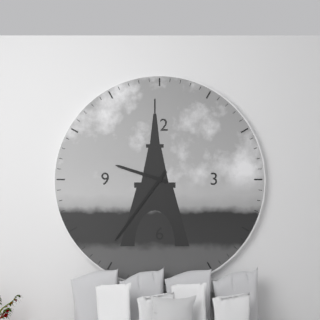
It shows 9 h 36 min
